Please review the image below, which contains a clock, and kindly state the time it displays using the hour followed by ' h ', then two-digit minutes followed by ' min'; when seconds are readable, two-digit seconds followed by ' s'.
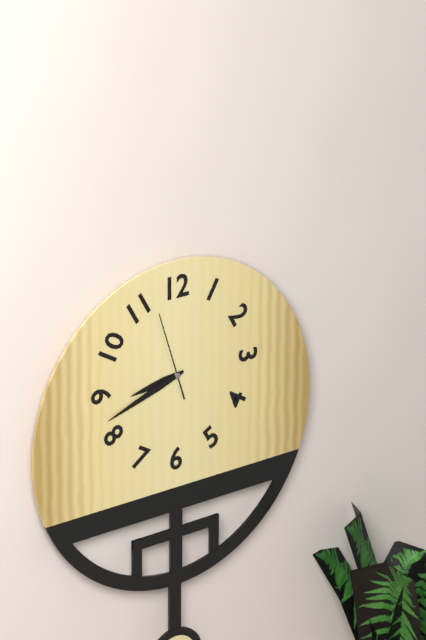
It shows 8 h 42 min 57 s
